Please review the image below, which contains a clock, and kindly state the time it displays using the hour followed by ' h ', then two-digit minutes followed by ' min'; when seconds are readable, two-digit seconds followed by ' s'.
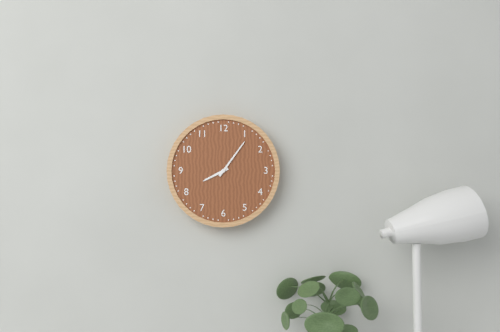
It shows 8 h 06 min
